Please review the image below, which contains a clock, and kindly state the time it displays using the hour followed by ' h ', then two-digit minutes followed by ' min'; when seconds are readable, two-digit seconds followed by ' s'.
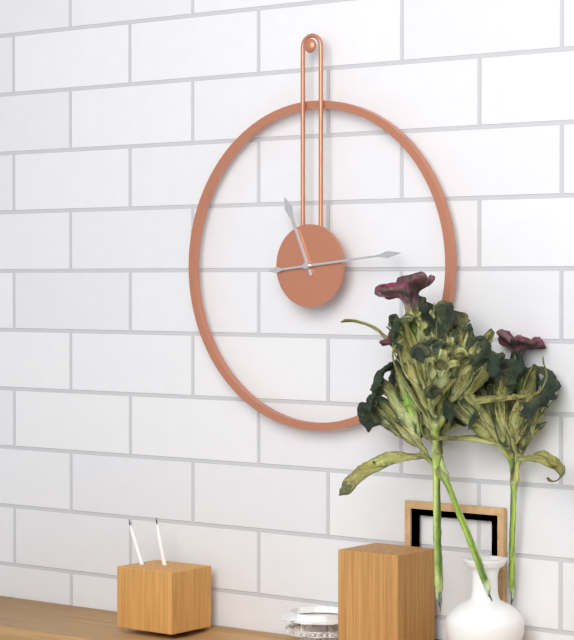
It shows 11 h 14 min
